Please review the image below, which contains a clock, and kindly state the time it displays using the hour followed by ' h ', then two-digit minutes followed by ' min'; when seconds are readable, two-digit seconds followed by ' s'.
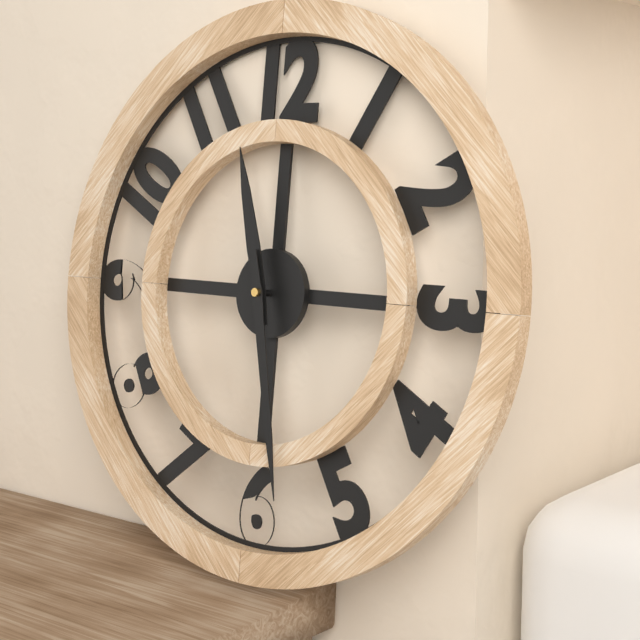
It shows 11 h 28 min
